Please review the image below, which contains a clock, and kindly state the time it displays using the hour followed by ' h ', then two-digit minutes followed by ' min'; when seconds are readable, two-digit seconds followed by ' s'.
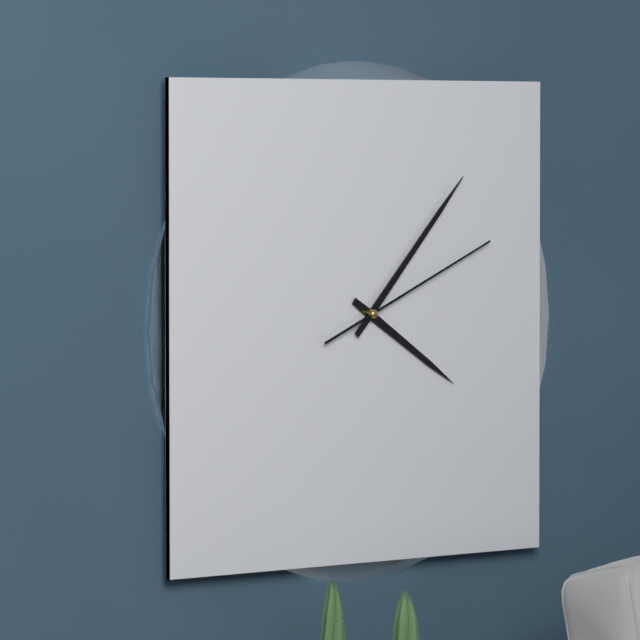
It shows 4 h 07 min 11 s
